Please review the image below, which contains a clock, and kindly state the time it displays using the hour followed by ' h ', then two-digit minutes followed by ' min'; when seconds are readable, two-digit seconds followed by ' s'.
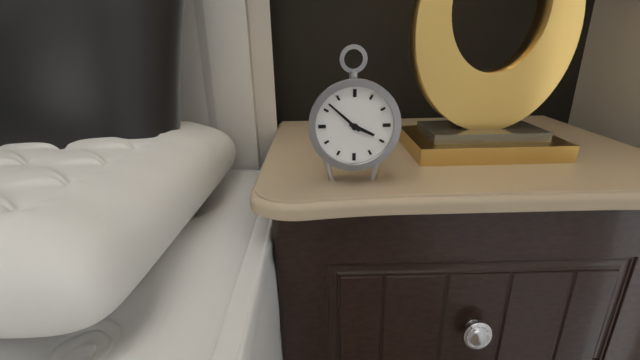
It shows 3 h 52 min
